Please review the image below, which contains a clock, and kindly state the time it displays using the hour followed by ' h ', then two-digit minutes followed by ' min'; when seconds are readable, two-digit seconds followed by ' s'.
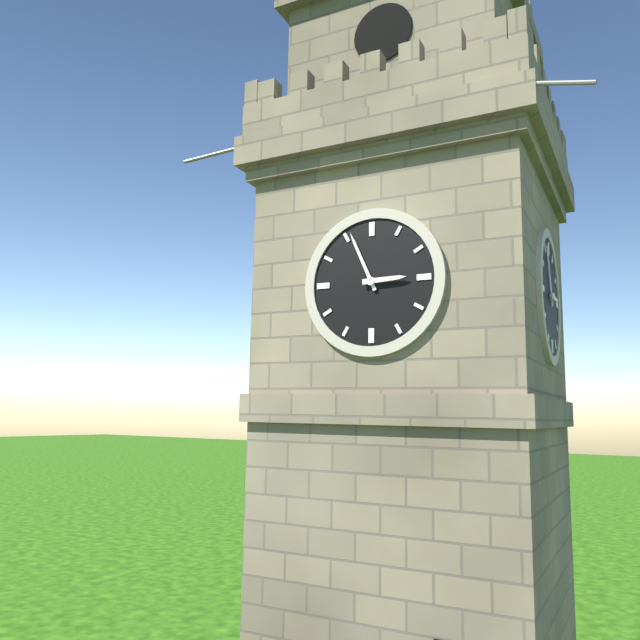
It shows 2 h 56 min
